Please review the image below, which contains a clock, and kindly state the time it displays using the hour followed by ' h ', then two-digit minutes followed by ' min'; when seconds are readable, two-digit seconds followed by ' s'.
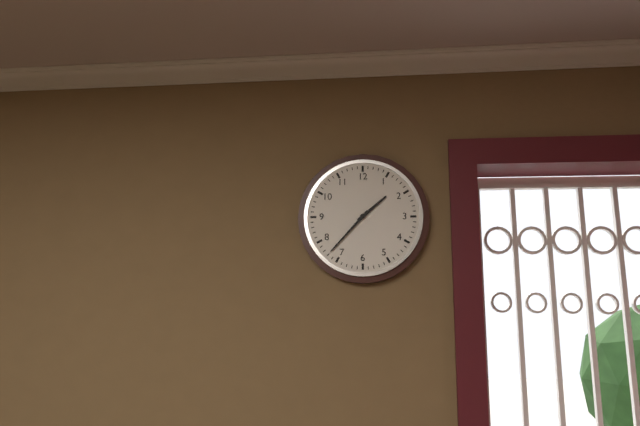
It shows 1 h 37 min
